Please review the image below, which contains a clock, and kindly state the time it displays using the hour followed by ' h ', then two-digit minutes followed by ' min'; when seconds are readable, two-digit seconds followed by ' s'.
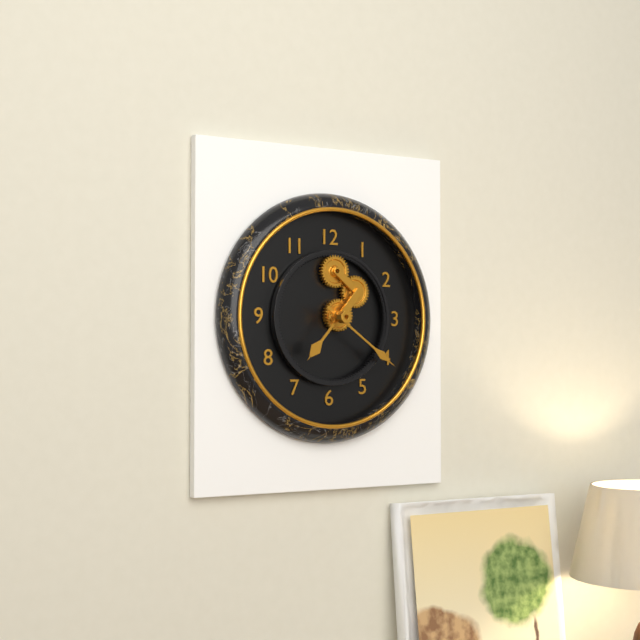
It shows 7 h 21 min
